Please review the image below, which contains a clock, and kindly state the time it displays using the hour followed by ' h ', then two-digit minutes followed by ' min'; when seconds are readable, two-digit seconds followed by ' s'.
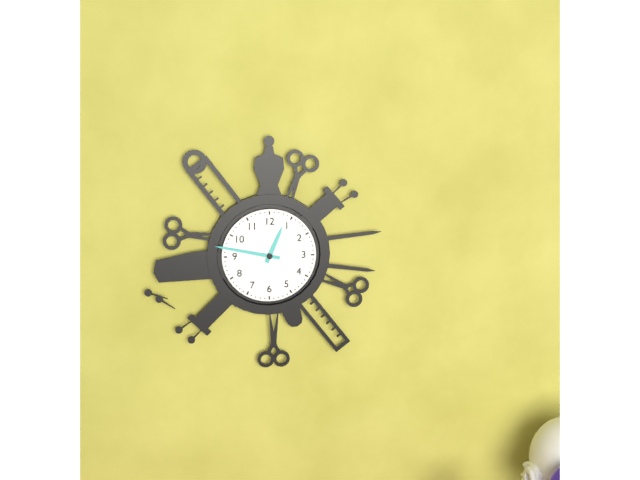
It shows 12 h 47 min
